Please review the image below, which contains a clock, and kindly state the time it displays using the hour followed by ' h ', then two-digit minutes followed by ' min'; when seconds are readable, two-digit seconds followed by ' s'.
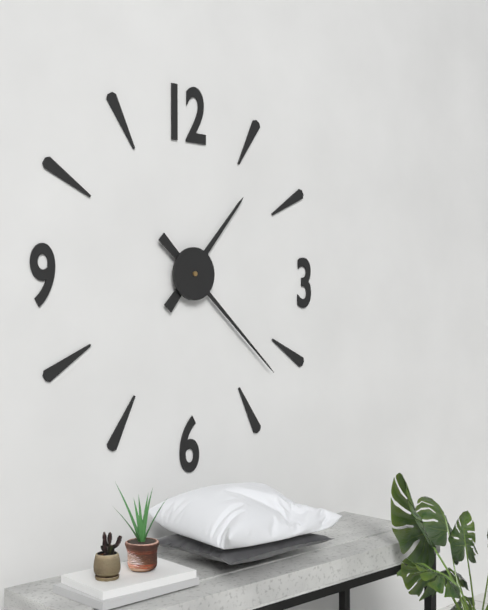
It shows 1 h 22 min
